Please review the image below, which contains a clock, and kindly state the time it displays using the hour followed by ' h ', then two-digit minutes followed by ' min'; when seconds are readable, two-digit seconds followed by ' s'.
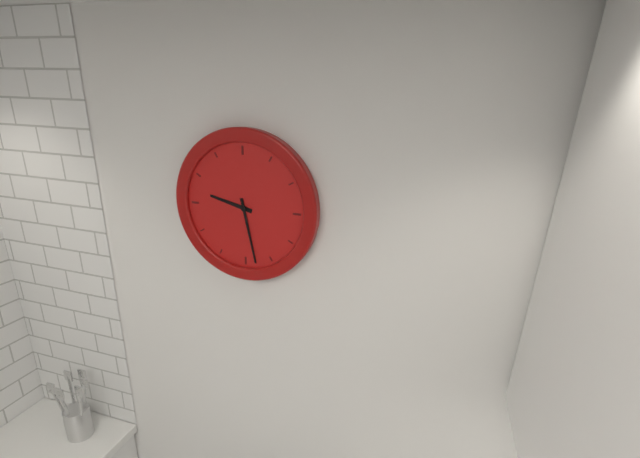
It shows 9 h 28 min
